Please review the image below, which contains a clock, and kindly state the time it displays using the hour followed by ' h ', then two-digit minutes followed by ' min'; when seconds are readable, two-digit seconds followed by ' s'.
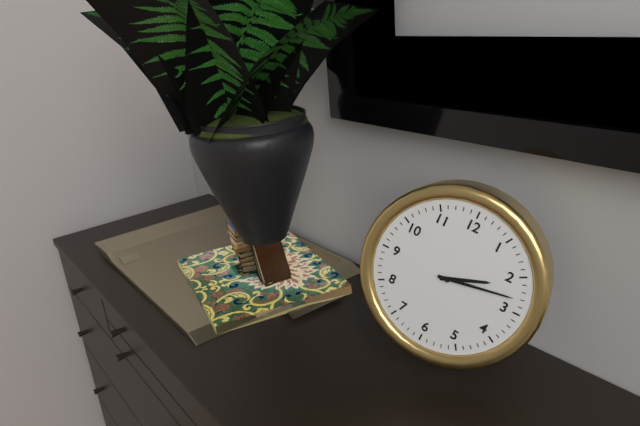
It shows 2 h 13 min
